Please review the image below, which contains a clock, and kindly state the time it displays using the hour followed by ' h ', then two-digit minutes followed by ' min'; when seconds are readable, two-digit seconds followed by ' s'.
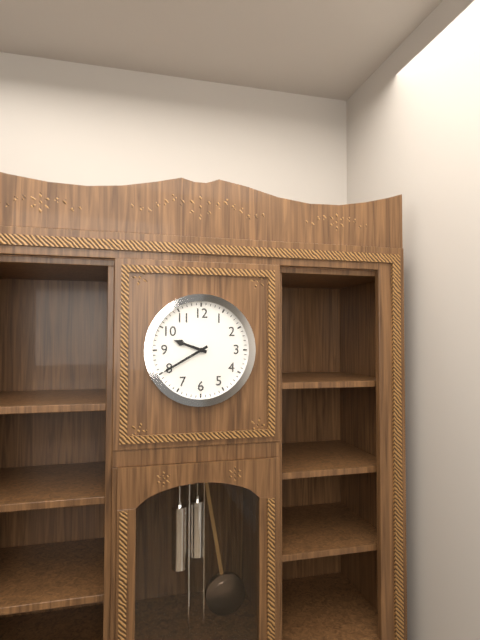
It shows 9 h 40 min
